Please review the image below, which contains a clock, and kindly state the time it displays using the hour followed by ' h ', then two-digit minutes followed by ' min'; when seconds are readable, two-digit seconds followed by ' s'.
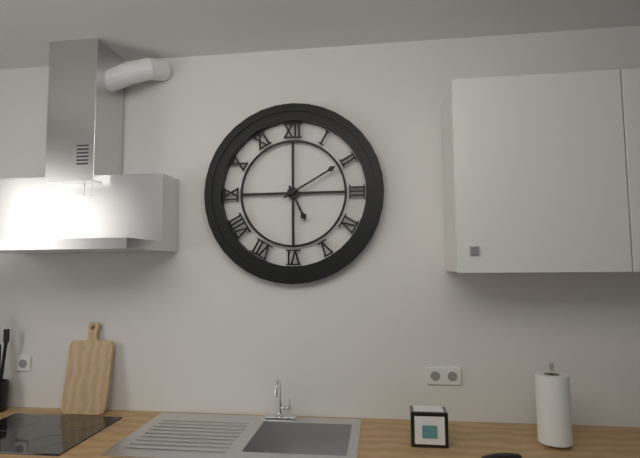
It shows 5 h 10 min
